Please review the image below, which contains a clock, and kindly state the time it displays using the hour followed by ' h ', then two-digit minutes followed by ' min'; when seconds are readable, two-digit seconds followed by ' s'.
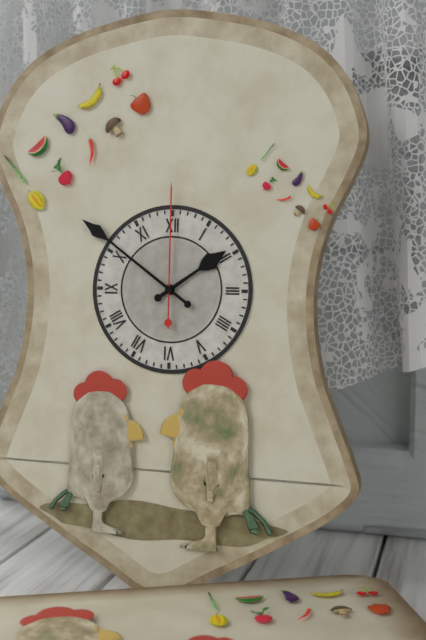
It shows 1 h 51 min 00 s
